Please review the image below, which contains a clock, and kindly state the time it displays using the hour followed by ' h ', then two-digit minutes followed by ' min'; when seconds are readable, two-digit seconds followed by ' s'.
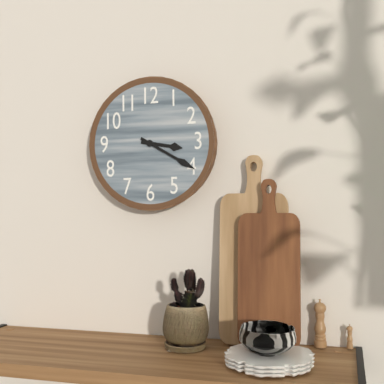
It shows 3 h 20 min
